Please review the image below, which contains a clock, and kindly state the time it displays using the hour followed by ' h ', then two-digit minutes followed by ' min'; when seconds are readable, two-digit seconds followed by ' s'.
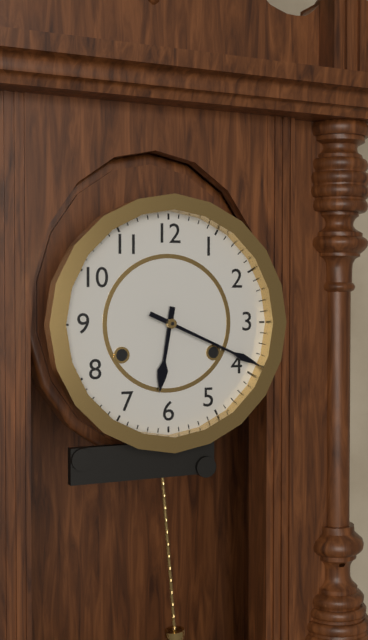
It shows 6 h 19 min
